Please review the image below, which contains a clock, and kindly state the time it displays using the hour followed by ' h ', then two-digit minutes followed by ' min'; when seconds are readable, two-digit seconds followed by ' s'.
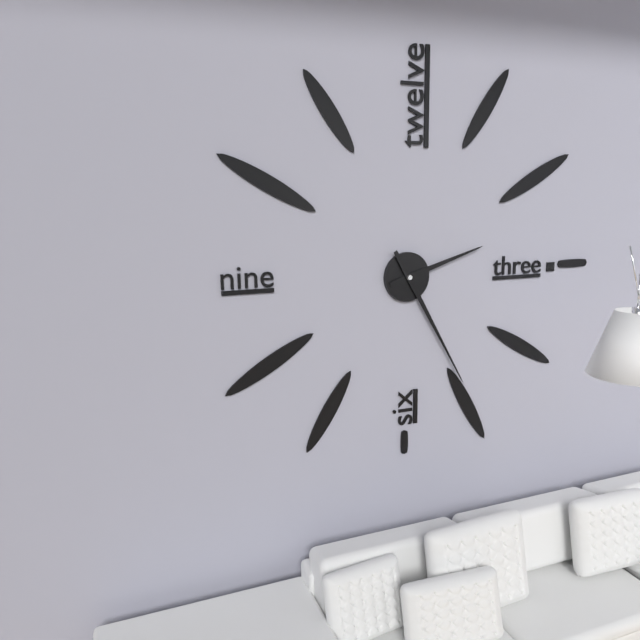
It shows 2 h 25 min
